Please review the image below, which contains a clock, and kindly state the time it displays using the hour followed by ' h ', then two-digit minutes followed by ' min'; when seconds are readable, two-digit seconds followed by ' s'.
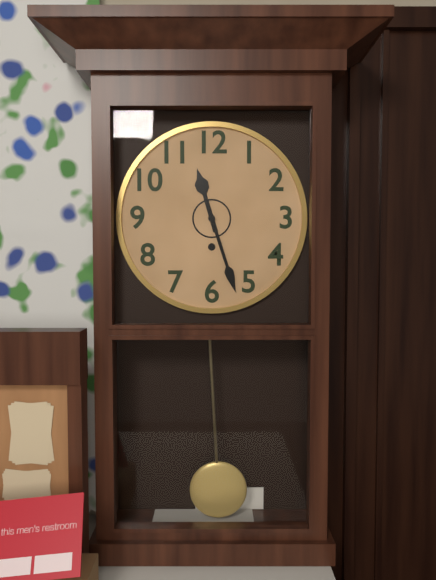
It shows 11 h 27 min
